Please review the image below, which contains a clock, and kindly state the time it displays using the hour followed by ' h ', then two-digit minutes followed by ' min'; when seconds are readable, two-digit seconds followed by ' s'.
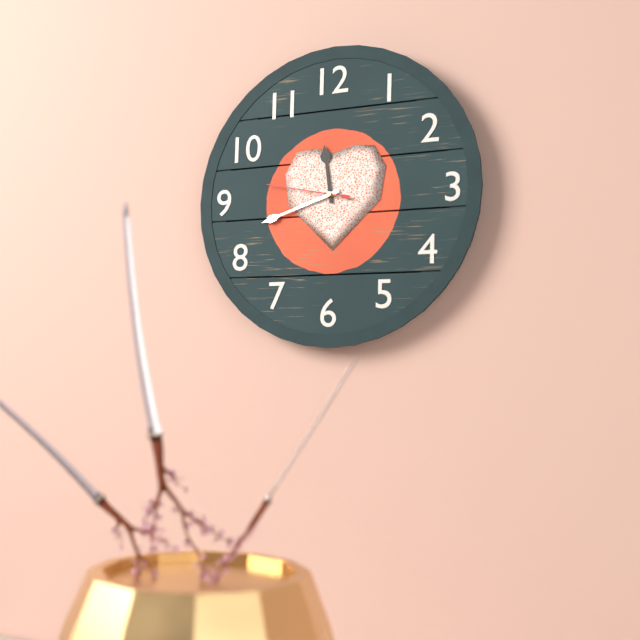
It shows 11 h 42 min 47 s
